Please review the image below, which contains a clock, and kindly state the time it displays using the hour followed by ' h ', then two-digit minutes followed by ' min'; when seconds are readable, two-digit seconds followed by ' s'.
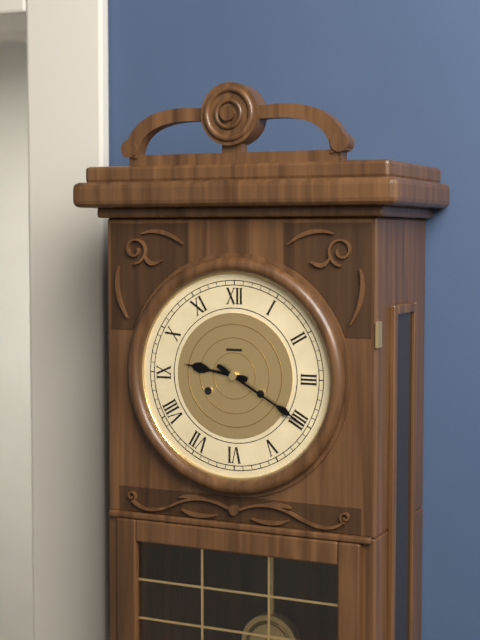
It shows 9 h 20 min
